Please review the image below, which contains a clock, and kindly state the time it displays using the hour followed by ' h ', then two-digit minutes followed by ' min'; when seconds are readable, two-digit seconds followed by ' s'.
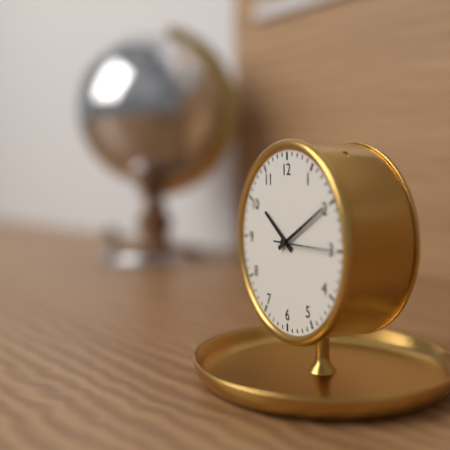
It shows 10 h 10 min 15 s
